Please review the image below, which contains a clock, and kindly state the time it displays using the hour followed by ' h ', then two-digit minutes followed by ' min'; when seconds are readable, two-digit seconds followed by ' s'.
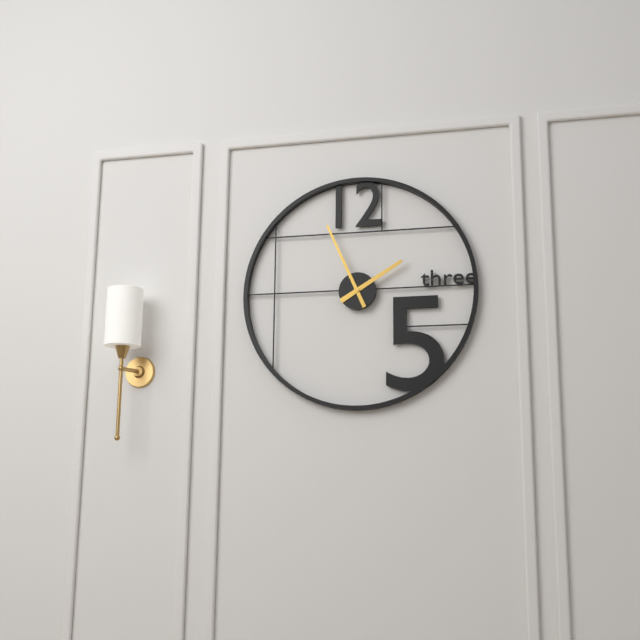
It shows 1 h 56 min
